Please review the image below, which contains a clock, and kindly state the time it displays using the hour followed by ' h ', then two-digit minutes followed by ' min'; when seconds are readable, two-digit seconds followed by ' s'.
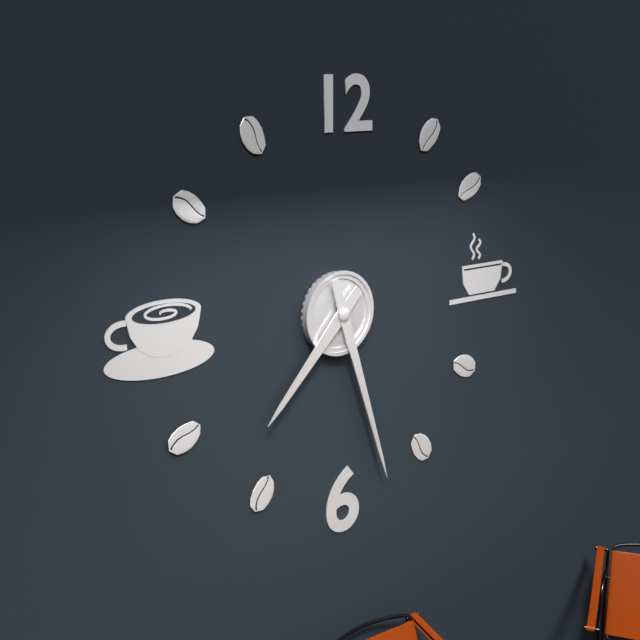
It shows 7 h 27 min
